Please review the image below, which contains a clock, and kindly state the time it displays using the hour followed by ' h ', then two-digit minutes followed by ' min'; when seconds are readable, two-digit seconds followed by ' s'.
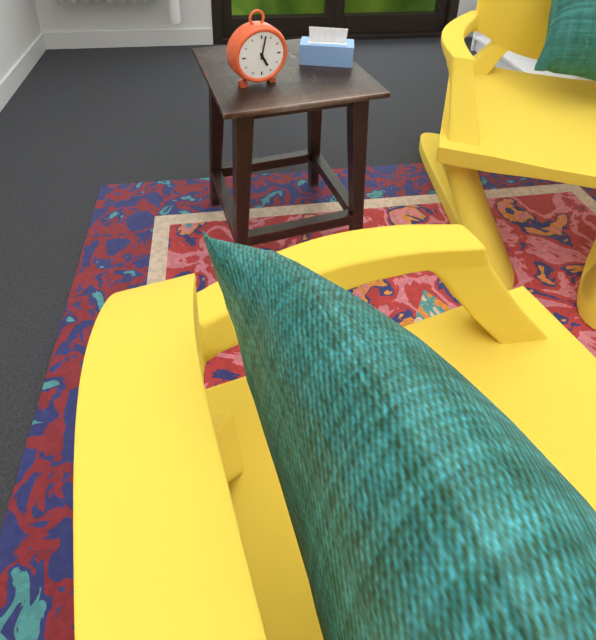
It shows 5 h 02 min
